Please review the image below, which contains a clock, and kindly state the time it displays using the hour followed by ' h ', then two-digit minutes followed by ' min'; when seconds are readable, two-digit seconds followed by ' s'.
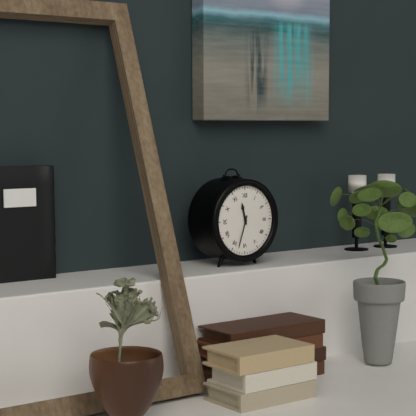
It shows 11 h 33 min
